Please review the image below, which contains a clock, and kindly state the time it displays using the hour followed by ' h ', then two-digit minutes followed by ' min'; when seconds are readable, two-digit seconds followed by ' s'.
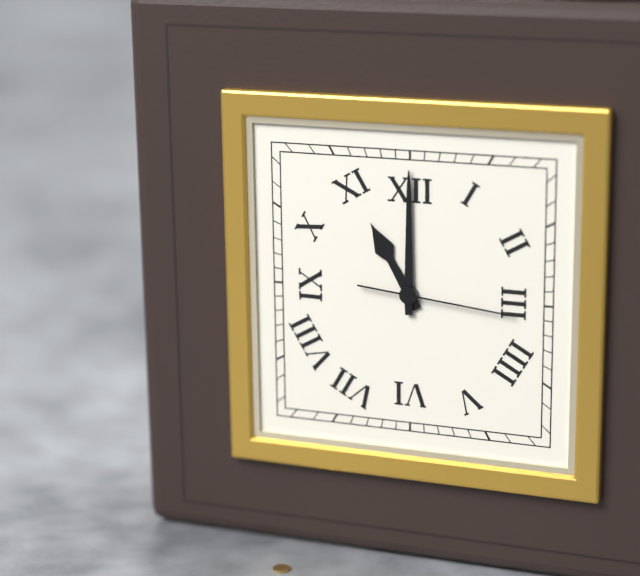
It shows 11 h 00 min 16 s
